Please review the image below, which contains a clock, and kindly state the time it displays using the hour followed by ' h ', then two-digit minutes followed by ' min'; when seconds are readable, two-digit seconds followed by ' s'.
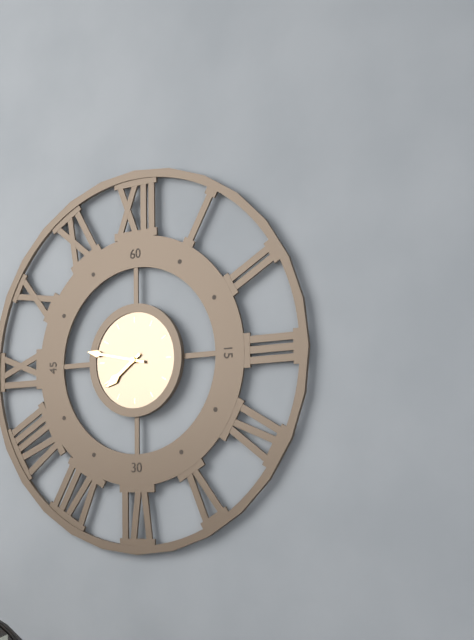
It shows 7 h 47 min
